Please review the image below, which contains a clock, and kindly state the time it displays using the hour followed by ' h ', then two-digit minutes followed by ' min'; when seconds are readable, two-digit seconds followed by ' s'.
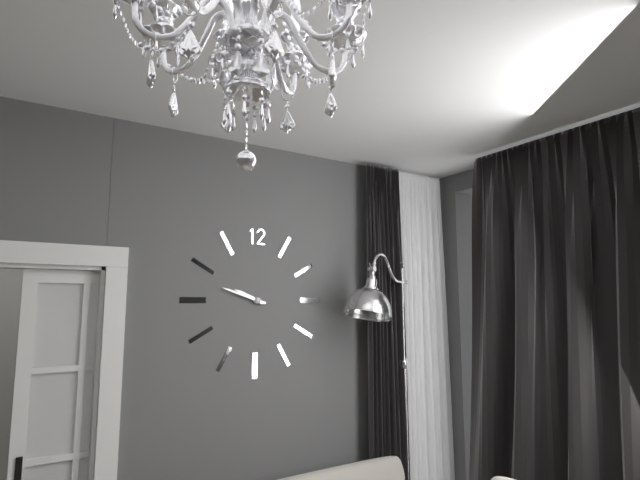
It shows 9 h 48 min
